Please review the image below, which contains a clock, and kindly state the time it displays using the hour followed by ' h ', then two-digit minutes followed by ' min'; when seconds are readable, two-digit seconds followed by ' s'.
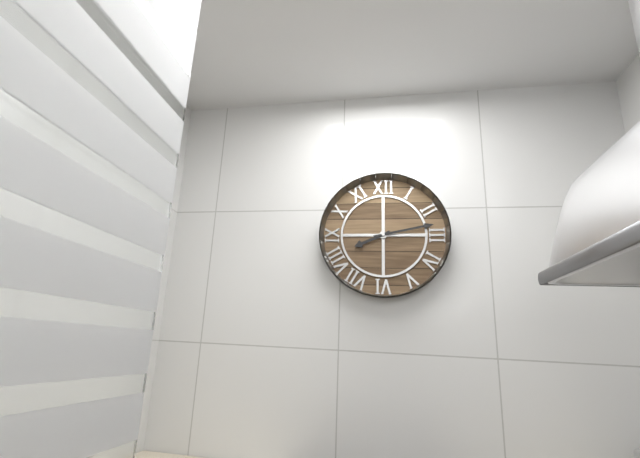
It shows 8 h 13 min
